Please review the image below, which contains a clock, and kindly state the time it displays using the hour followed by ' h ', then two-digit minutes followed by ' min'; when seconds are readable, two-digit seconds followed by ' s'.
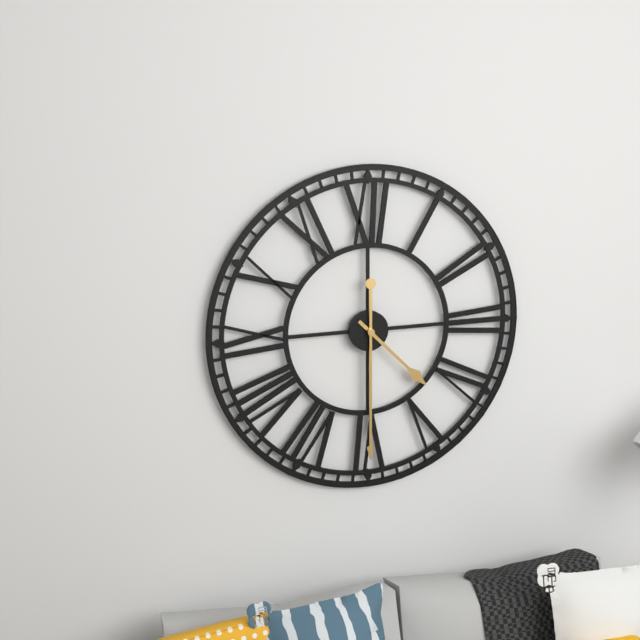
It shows 4 h 30 min
